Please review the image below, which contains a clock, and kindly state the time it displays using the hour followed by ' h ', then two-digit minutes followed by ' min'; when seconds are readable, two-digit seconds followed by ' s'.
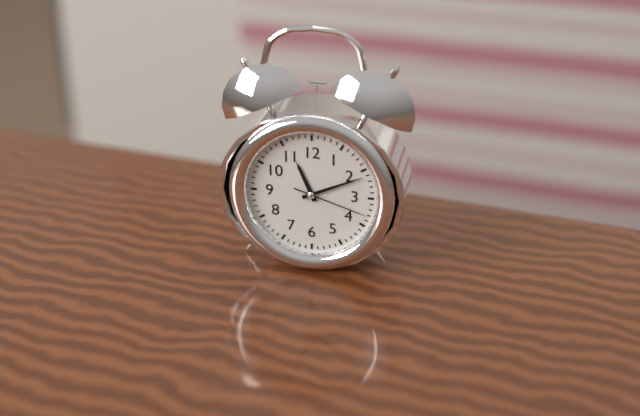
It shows 11 h 11 min 18 s
